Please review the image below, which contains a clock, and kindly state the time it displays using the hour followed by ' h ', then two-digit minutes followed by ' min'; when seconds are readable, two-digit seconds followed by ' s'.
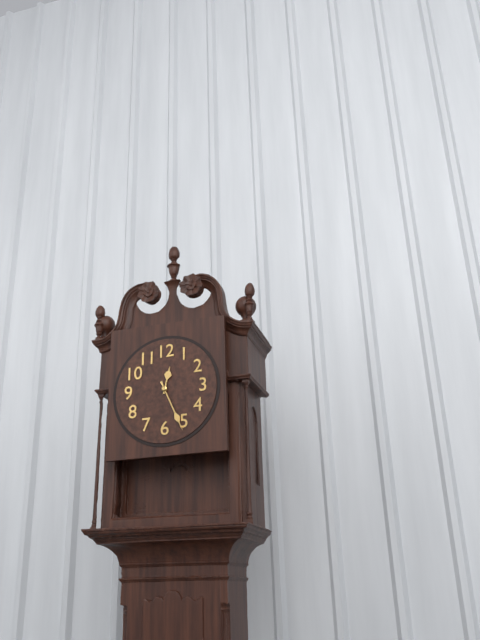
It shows 12 h 26 min
